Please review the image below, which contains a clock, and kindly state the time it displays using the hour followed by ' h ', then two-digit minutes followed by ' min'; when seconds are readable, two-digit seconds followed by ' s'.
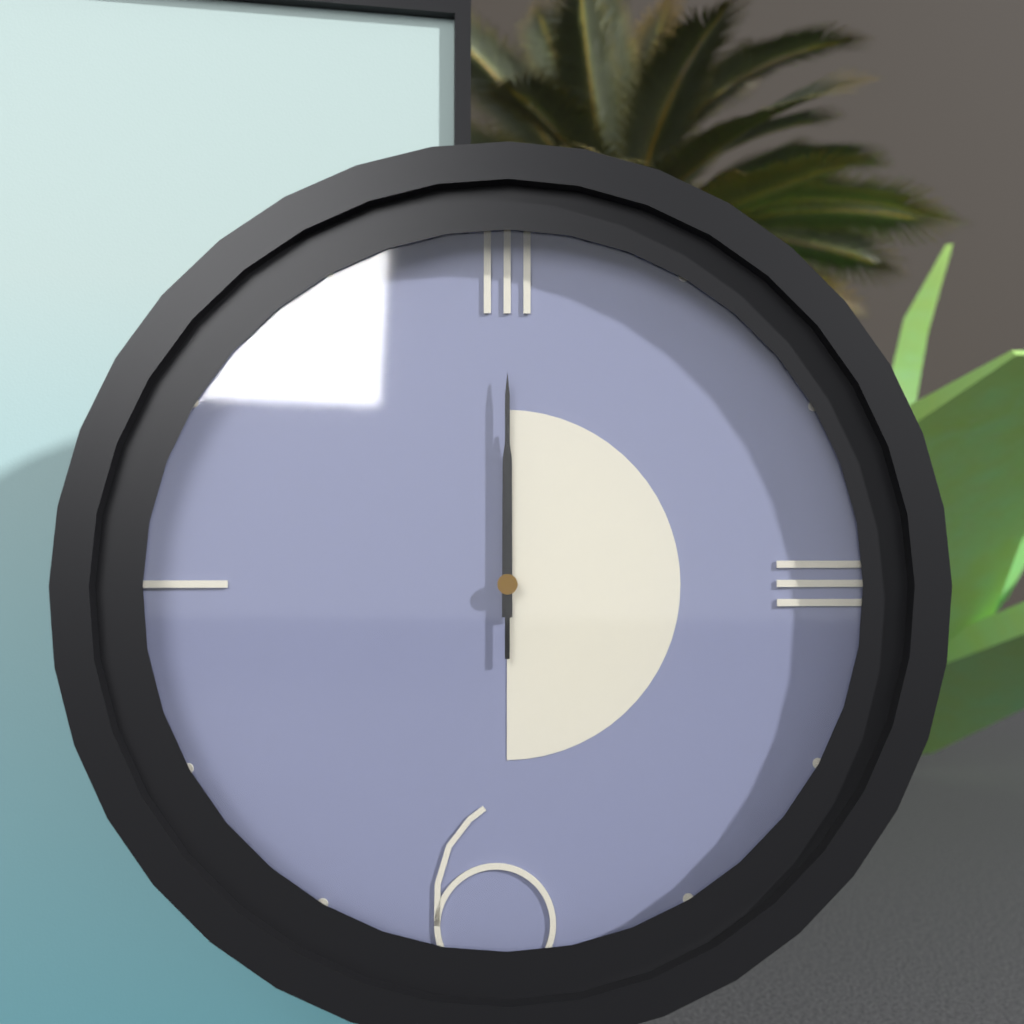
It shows 12 h 00 min
